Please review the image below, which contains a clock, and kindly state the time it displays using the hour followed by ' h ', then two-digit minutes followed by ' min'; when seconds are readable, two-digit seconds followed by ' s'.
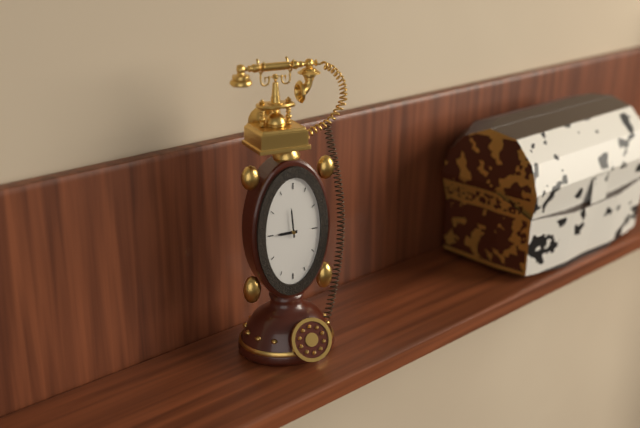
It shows 8 h 59 min
